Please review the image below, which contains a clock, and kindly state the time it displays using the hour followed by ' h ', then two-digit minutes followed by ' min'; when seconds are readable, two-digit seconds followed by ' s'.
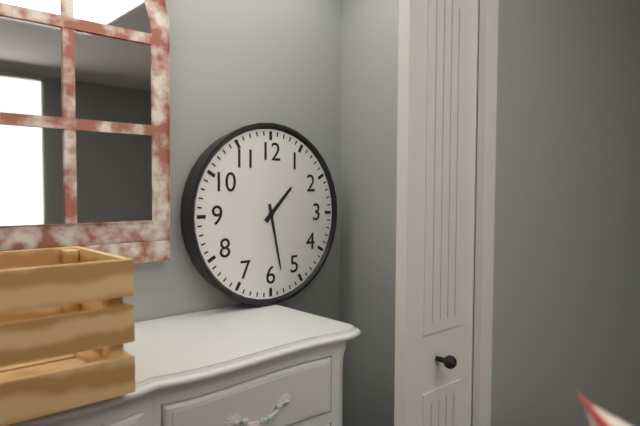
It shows 1 h 28 min
